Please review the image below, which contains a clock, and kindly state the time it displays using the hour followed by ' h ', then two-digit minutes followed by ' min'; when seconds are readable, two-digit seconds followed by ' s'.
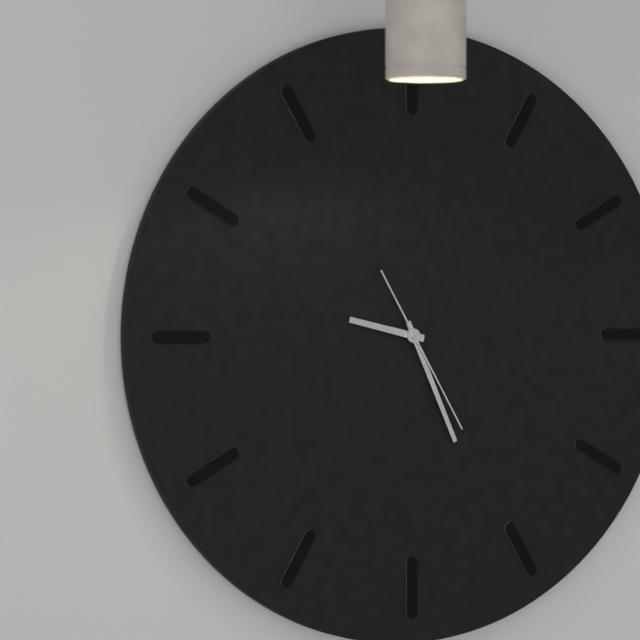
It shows 9 h 26 min 25 s
